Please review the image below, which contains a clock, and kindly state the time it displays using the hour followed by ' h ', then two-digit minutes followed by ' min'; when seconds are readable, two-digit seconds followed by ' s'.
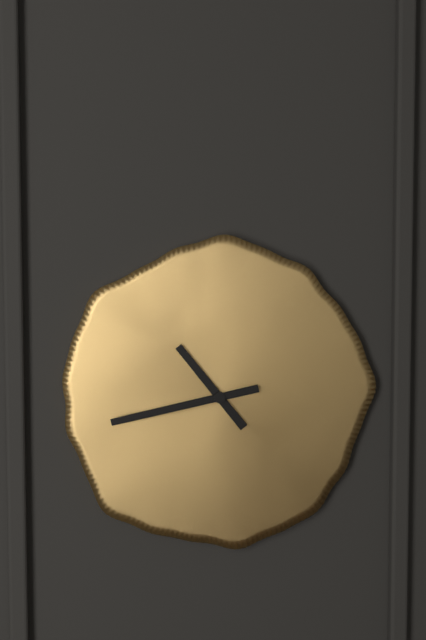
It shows 10 h 43 min
